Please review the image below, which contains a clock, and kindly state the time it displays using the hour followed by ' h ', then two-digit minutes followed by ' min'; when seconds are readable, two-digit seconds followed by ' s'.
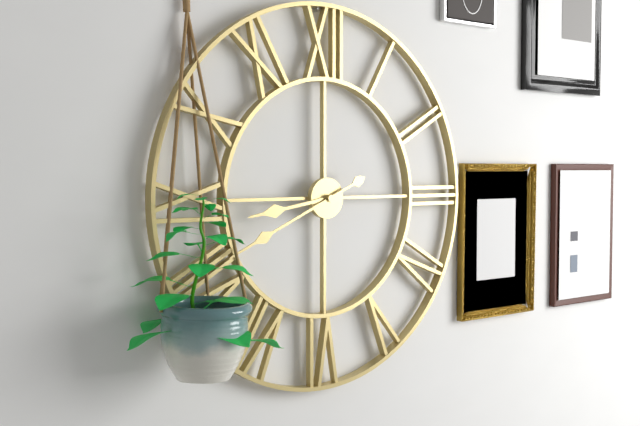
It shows 8 h 41 min
